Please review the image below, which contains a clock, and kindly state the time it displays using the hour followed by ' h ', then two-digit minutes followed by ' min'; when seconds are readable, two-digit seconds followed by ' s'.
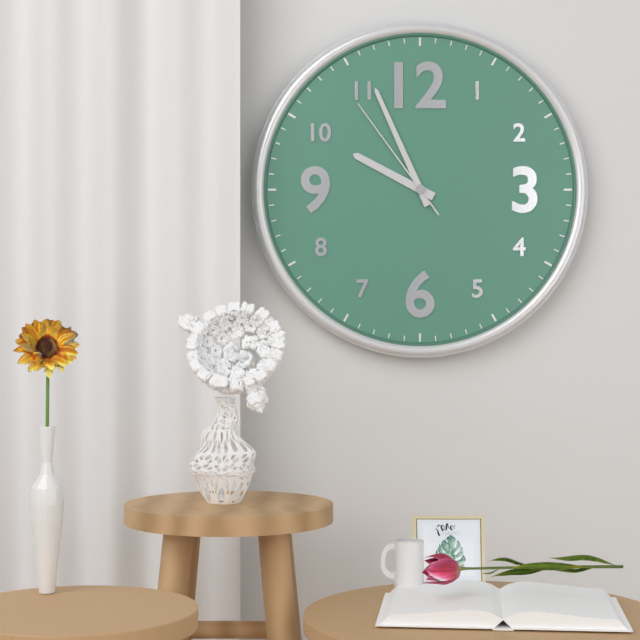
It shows 9 h 56 min 54 s
